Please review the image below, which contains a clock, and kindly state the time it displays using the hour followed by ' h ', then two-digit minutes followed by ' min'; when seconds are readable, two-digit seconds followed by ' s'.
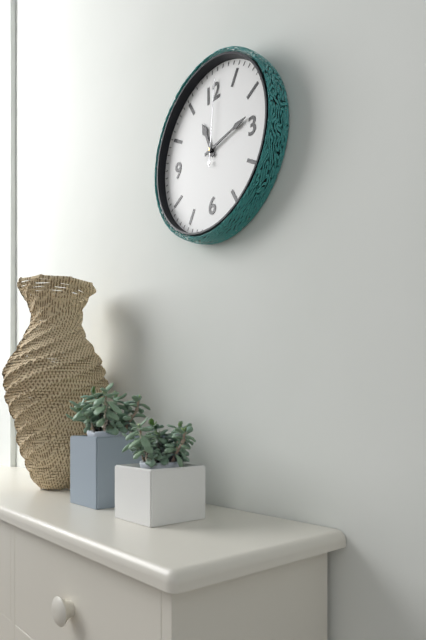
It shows 11 h 13 min 01 s
